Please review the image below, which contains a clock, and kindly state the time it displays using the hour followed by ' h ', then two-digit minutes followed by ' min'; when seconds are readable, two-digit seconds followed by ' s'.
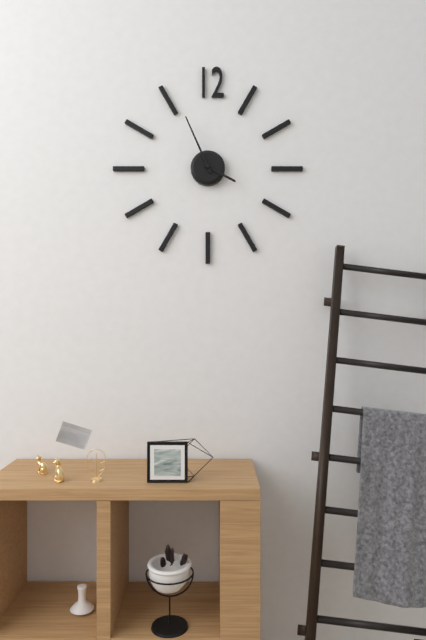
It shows 3 h 56 min
